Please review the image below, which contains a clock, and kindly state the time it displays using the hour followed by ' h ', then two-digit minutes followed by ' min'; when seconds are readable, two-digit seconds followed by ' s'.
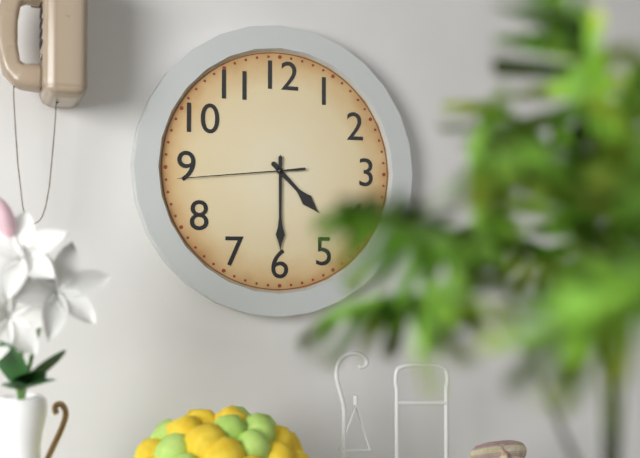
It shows 4 h 30 min 44 s
